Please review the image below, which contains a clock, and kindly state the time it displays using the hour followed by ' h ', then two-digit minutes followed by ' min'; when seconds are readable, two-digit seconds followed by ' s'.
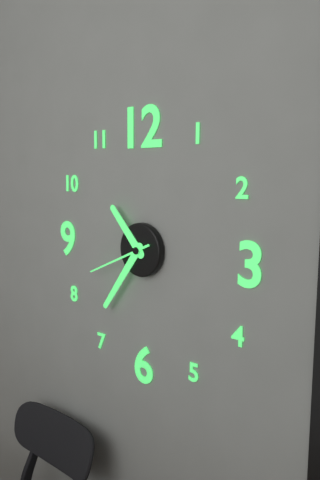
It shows 10 h 36 min 41 s
